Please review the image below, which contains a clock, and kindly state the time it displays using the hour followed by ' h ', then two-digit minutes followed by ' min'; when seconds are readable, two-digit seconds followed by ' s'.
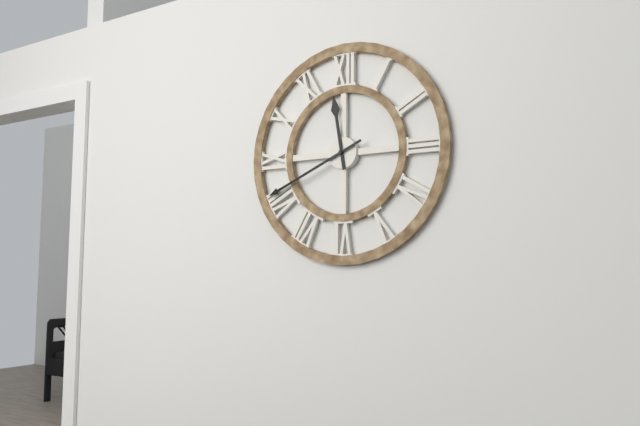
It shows 11 h 41 min
